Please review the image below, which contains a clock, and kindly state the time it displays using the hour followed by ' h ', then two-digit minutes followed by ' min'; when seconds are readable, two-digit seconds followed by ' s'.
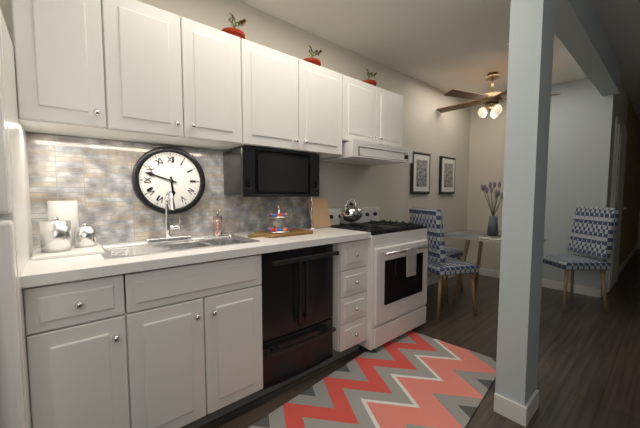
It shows 5 h 48 min
